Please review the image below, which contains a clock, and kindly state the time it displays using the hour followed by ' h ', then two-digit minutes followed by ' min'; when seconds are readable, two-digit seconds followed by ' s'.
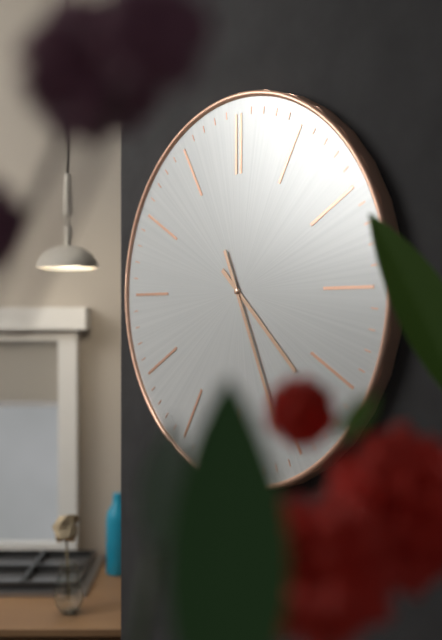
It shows 4 h 26 min
